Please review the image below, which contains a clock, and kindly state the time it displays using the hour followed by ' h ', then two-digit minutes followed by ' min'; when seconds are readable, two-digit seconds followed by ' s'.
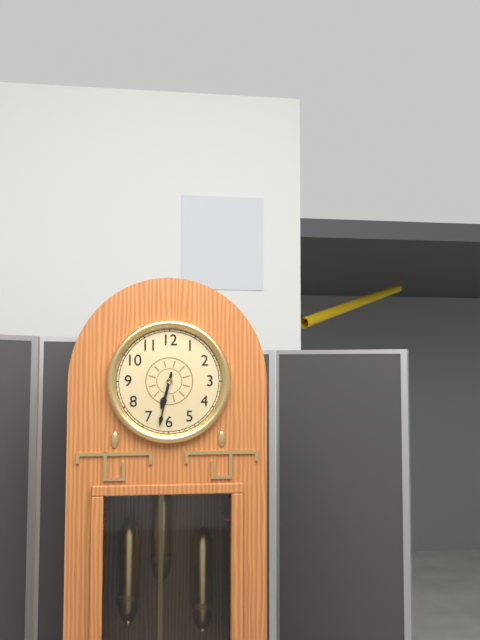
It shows 6 h 32 min
